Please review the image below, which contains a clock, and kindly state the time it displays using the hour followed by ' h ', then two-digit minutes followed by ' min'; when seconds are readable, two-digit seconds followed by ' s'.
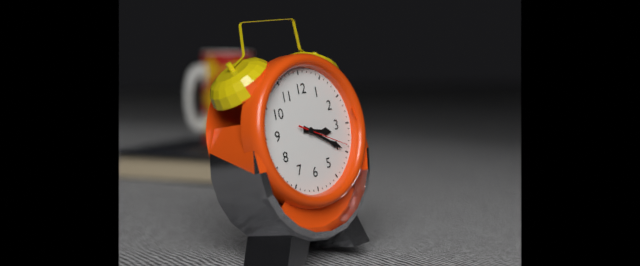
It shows 3 h 20 min 19 s
